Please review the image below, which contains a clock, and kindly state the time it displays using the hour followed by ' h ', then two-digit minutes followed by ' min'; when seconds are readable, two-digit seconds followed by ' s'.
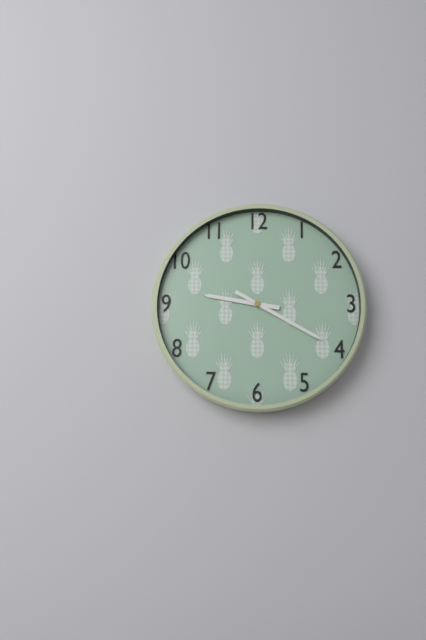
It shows 9 h 20 min
